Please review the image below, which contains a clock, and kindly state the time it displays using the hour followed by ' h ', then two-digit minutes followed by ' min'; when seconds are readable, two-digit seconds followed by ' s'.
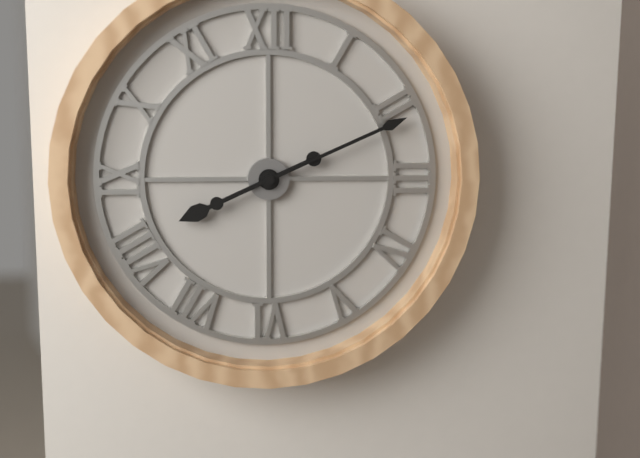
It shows 8 h 11 min
